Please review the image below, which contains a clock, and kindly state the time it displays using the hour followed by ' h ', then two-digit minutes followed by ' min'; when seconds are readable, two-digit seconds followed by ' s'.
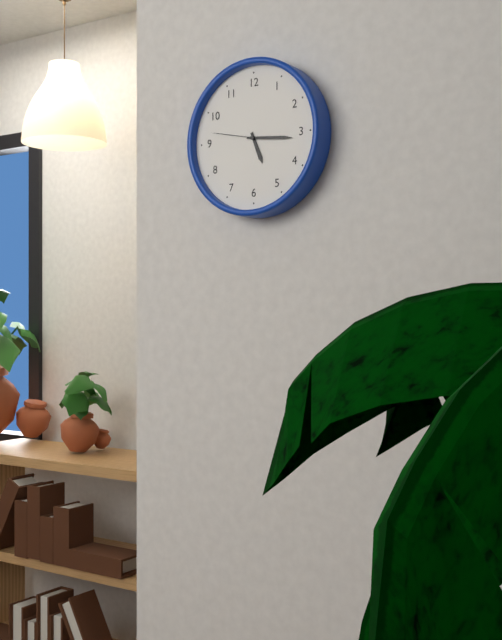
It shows 5 h 16 min 47 s
